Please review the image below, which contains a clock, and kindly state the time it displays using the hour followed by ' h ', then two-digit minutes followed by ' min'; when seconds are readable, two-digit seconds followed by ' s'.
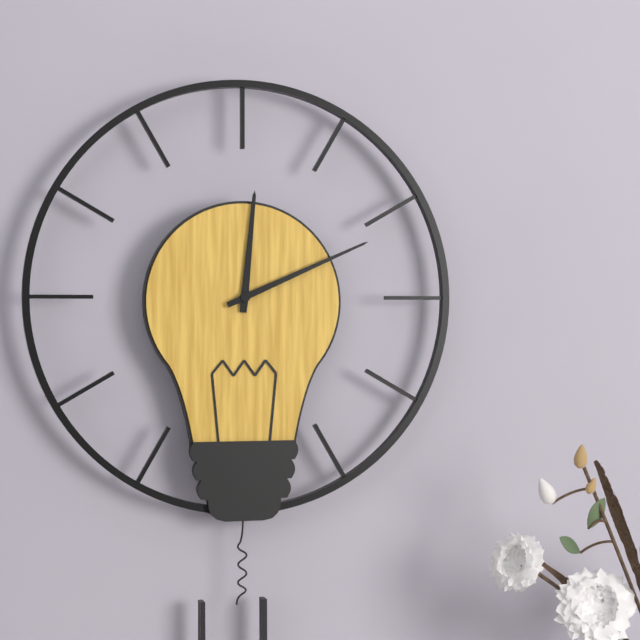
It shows 12 h 11 min
